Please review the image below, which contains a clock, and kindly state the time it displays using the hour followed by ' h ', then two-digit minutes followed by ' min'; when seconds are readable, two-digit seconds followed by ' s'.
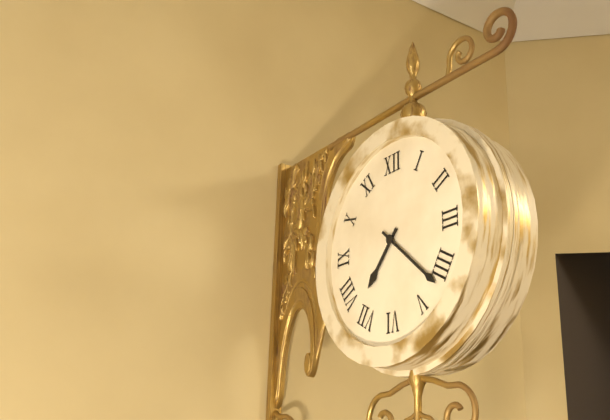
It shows 7 h 22 min
